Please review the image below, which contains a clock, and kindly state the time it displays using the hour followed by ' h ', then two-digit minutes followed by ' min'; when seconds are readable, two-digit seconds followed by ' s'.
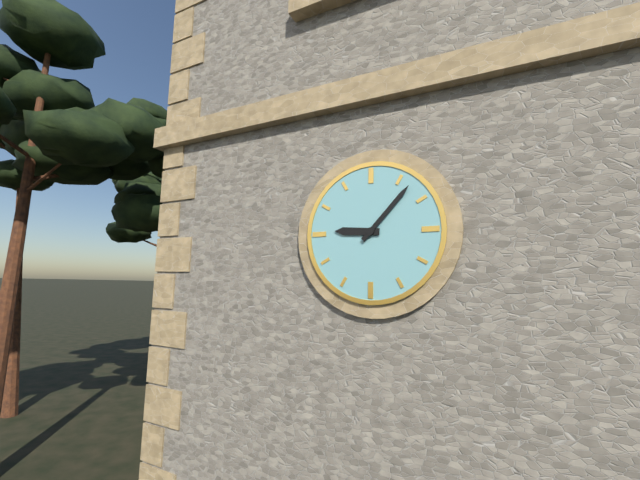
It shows 9 h 07 min
